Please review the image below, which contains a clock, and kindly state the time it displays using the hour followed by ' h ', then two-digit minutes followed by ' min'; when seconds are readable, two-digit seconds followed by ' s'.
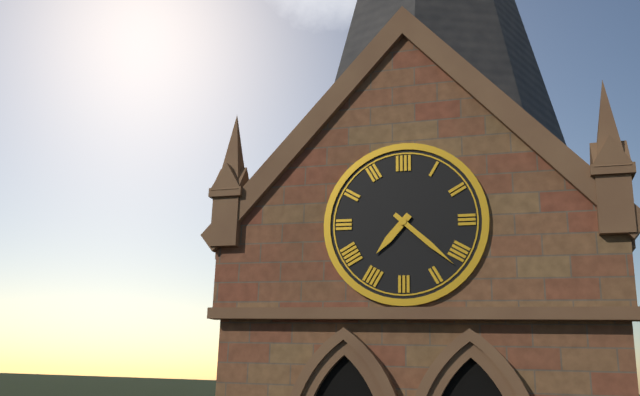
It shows 7 h 22 min
